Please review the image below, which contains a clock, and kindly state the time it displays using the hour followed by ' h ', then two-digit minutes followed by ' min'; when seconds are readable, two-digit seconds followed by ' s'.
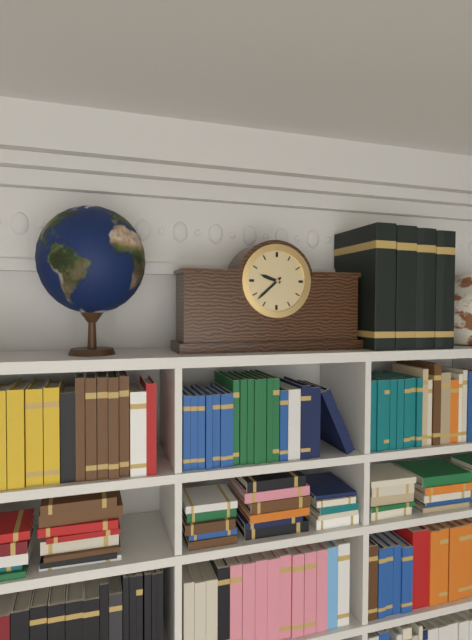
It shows 9 h 38 min
